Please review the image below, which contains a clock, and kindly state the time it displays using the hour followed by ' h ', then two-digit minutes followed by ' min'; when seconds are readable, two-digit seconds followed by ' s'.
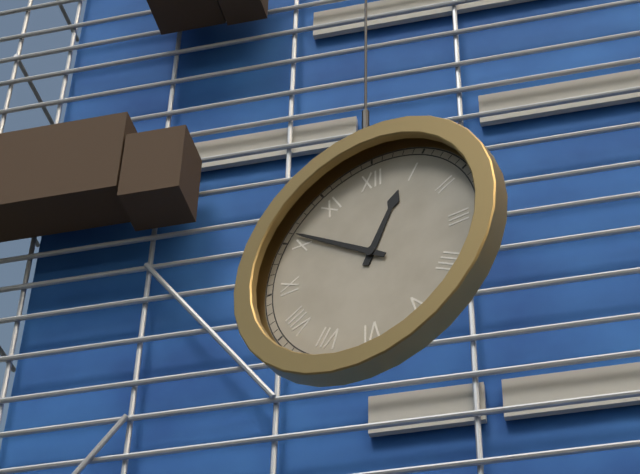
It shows 12 h 51 min
